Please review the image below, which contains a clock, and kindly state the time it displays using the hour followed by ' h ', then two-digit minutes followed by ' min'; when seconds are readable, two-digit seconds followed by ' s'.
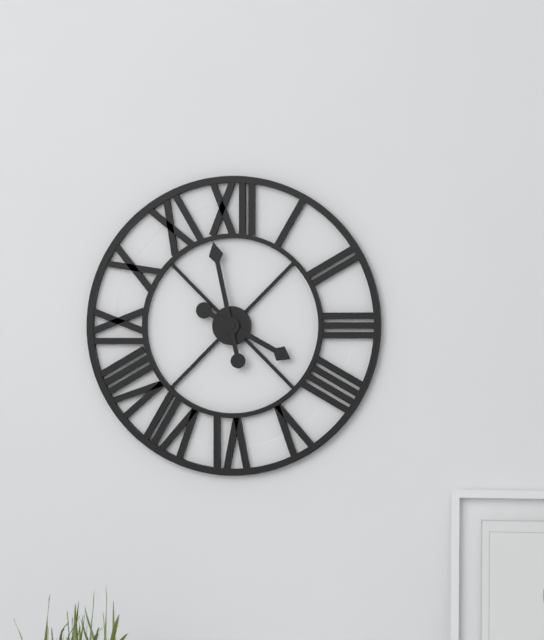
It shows 3 h 58 min
